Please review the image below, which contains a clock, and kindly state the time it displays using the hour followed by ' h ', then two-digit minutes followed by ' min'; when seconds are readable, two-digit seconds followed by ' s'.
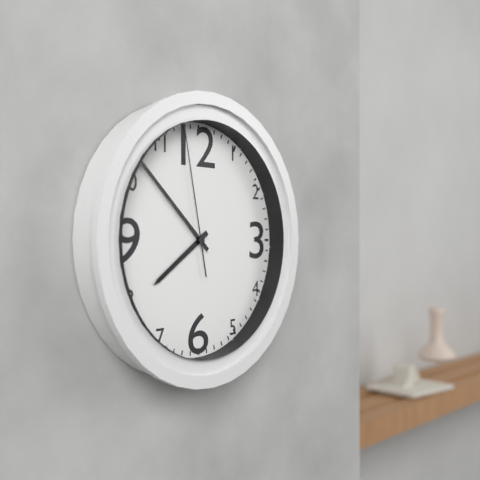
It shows 7 h 52 min 58 s
